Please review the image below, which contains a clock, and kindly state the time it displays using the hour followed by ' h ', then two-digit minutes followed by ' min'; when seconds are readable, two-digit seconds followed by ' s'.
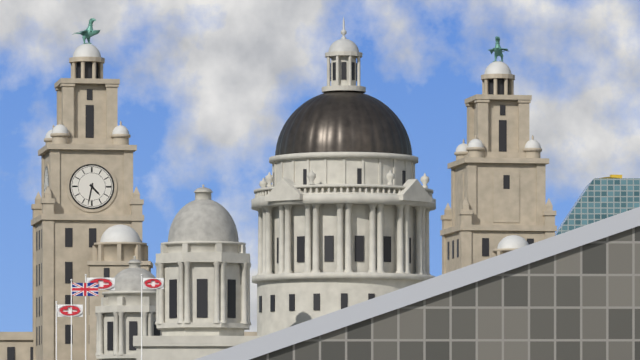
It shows 4 h 32 min
